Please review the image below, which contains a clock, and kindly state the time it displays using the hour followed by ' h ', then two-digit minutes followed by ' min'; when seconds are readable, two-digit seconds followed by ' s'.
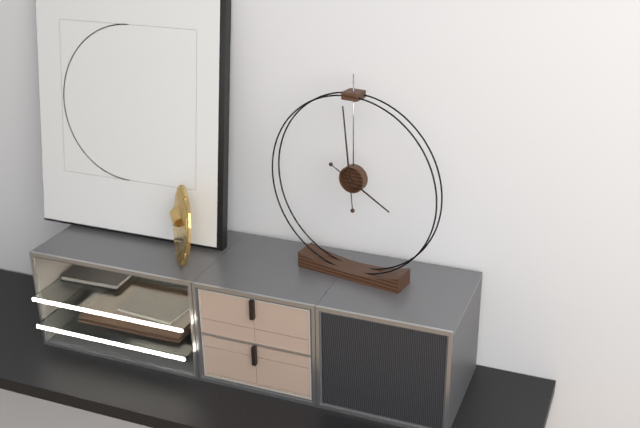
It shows 3 h 59 min
